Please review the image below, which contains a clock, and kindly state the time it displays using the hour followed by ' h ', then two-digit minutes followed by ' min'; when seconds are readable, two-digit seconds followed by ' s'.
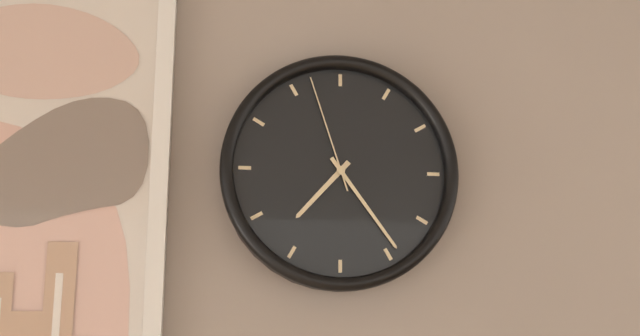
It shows 7 h 24 min 57 s
